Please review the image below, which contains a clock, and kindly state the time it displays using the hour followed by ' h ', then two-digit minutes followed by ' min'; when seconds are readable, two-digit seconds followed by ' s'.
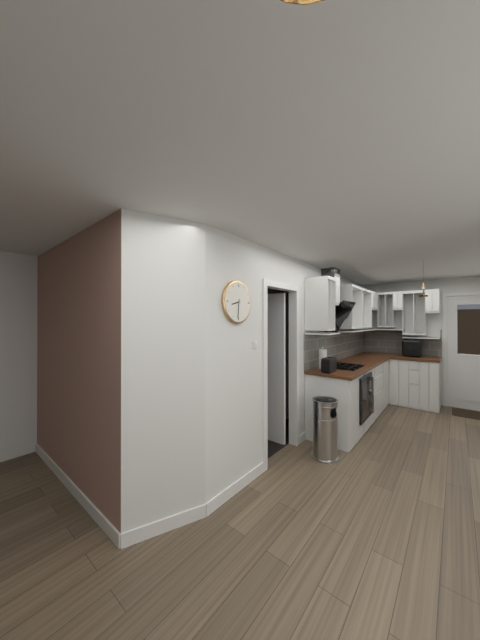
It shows 8 h 31 min
